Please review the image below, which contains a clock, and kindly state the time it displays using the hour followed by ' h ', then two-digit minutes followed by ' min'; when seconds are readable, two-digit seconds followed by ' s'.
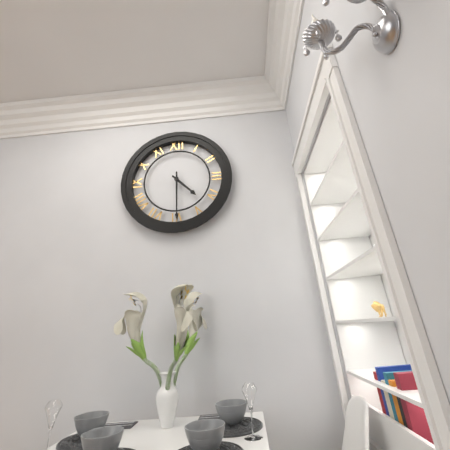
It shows 4 h 30 min
